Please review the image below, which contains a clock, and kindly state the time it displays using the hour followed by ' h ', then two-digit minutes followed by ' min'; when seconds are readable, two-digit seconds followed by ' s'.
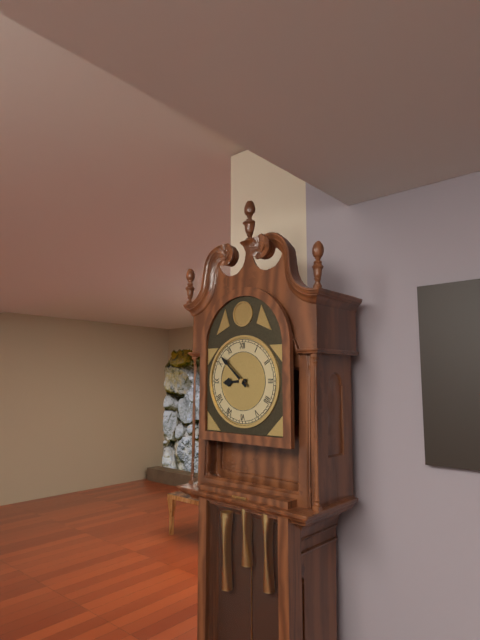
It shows 8 h 52 min
